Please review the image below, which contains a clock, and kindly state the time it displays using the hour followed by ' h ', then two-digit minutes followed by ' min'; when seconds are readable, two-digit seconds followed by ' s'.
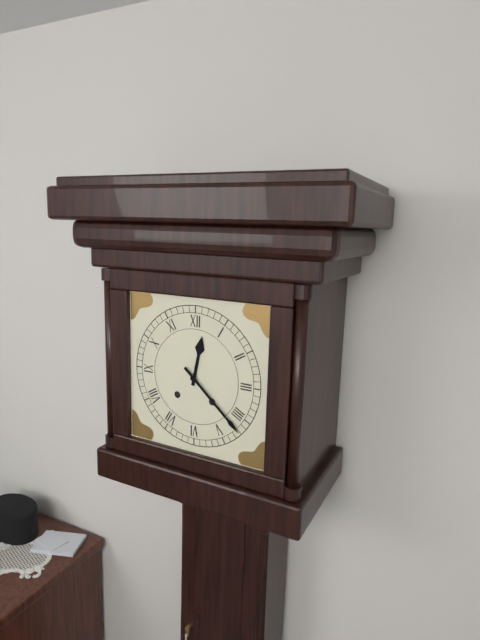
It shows 12 h 22 min
